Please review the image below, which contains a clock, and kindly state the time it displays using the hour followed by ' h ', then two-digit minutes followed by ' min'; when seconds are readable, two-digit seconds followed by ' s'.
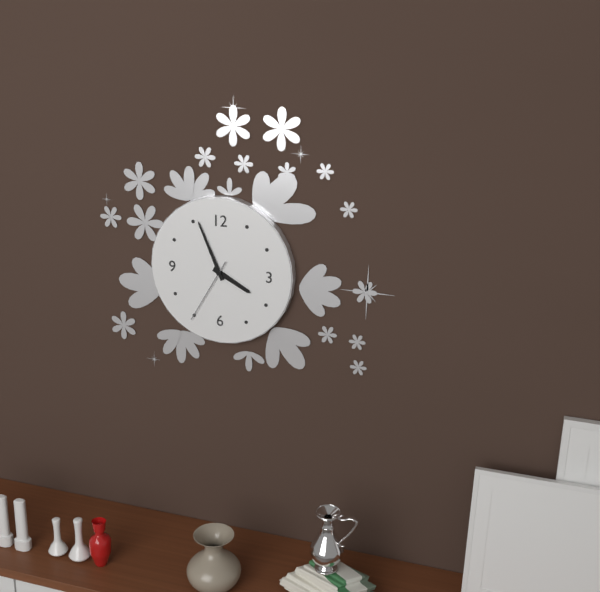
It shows 3 h 56 min 35 s
